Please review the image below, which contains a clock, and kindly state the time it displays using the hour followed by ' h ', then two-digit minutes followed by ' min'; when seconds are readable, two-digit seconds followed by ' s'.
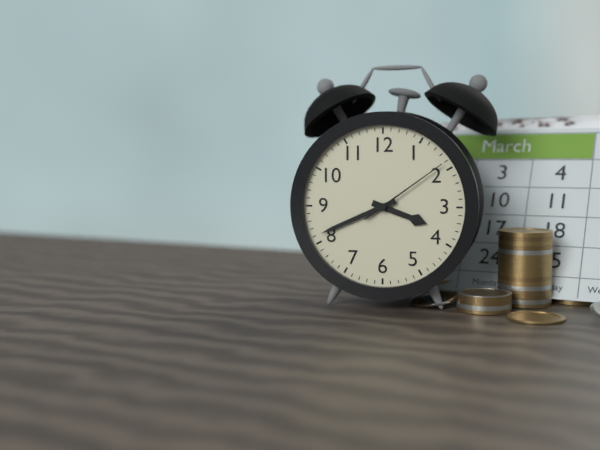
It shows 3 h 41 min 09 s
